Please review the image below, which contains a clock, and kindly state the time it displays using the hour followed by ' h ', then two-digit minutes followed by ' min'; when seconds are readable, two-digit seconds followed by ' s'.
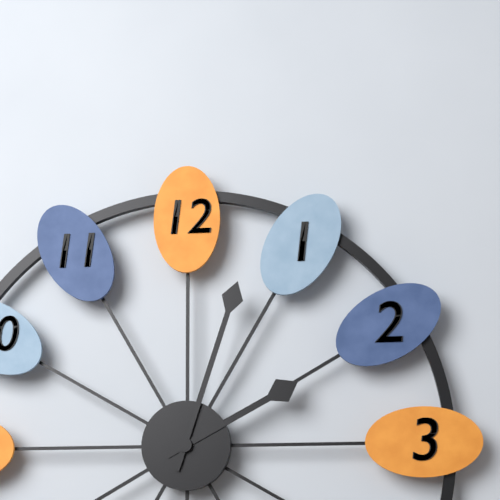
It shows 2 h 03 min
